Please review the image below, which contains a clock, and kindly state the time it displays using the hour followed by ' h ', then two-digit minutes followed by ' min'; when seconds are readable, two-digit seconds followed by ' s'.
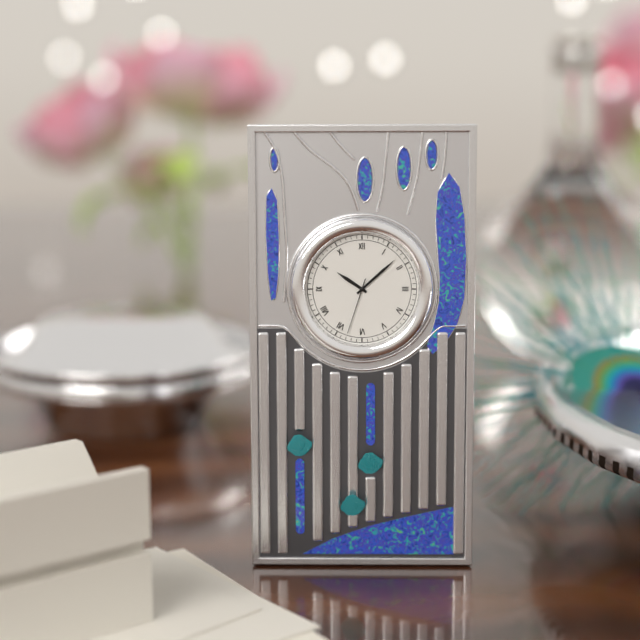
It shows 10 h 08 min 33 s
